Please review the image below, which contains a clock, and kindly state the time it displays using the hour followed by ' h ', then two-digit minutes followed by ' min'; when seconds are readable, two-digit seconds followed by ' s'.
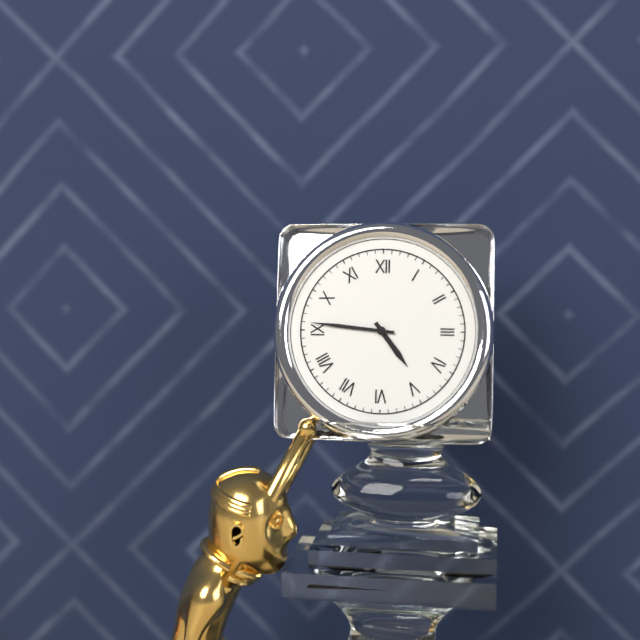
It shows 4 h 46 min
